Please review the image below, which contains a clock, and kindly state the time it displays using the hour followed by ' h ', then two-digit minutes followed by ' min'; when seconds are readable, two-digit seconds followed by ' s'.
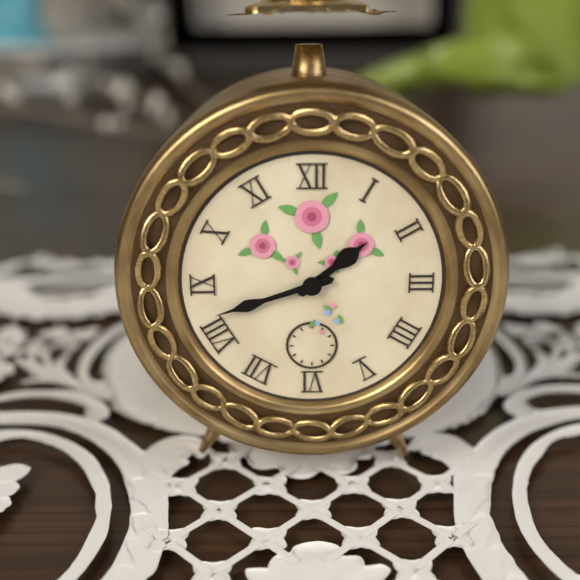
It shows 1 h 42 min
